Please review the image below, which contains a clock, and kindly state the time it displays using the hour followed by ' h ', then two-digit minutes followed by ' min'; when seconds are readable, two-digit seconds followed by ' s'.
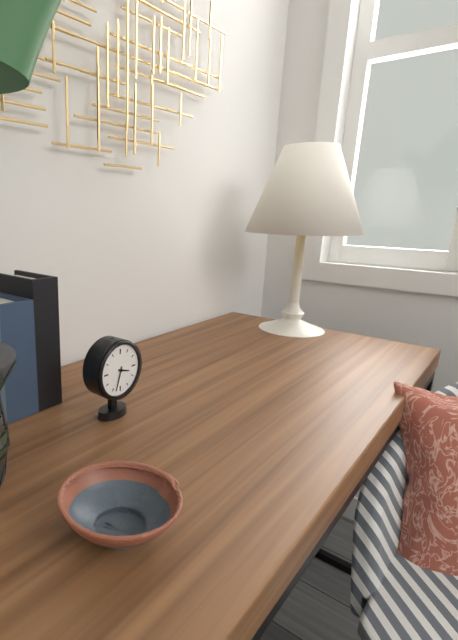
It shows 3 h 33 min
